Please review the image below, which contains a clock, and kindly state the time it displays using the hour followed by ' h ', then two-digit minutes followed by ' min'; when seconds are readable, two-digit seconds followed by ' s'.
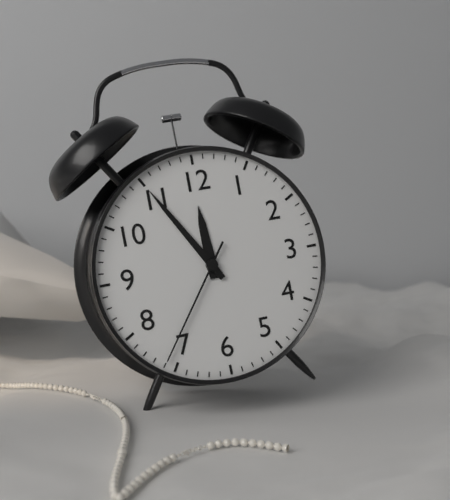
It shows 11 h 55 min 36 s
